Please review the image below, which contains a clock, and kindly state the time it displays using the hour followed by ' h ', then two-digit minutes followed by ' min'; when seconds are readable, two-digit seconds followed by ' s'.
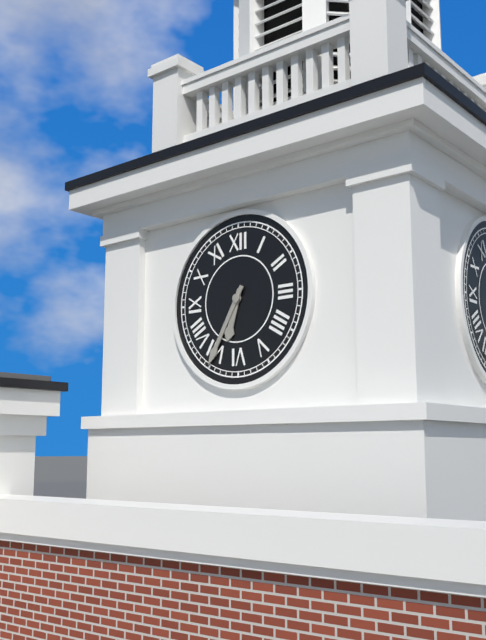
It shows 6 h 35 min
